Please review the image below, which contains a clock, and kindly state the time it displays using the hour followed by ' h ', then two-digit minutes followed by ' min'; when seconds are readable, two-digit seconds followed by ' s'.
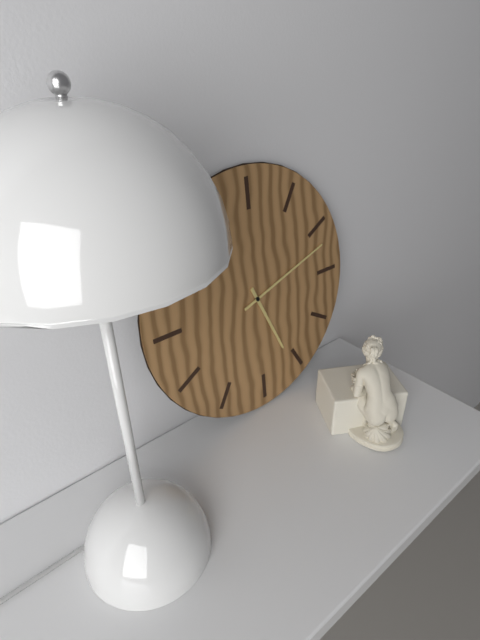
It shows 5 h 12 min
